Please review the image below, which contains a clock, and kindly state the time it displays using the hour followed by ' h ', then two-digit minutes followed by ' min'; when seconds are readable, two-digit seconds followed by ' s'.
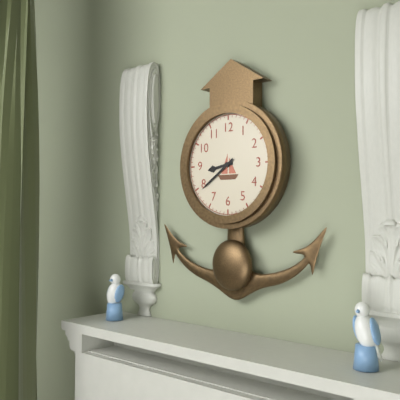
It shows 8 h 39 min
